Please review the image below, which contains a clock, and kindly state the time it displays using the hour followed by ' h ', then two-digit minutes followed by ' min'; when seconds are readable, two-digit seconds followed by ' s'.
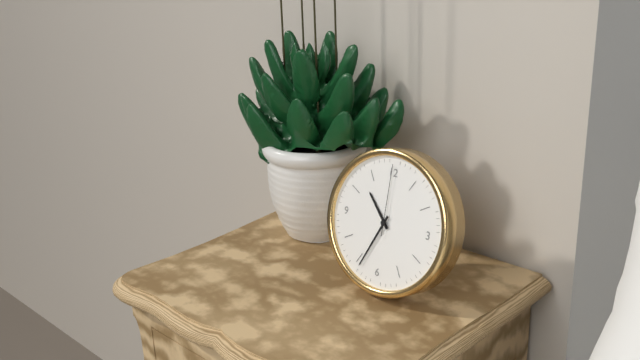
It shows 10 h 34 min 00 s
